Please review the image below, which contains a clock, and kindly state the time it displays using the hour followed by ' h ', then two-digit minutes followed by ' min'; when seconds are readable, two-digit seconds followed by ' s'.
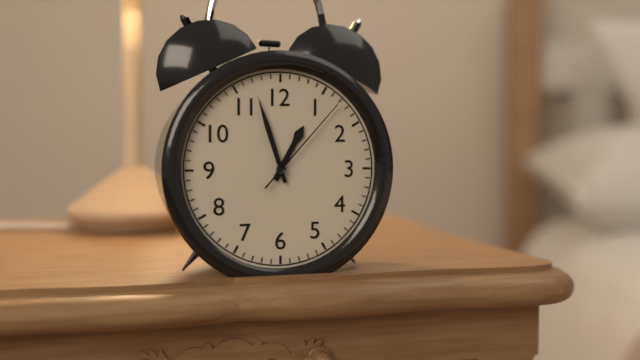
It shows 12 h 57 min 07 s
